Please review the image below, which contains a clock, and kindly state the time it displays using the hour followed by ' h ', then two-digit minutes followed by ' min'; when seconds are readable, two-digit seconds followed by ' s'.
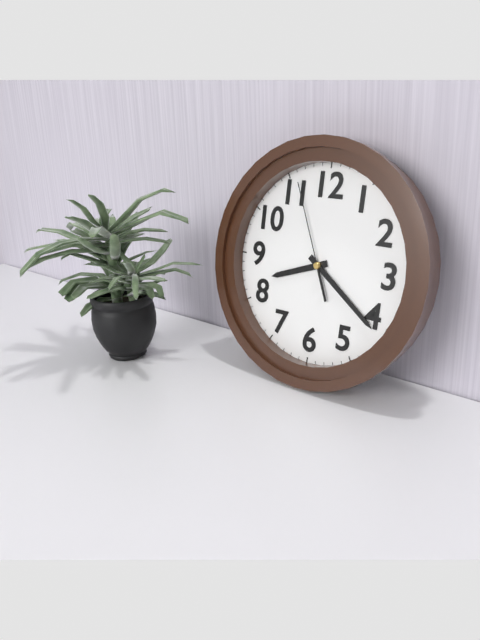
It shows 8 h 21 min 56 s
